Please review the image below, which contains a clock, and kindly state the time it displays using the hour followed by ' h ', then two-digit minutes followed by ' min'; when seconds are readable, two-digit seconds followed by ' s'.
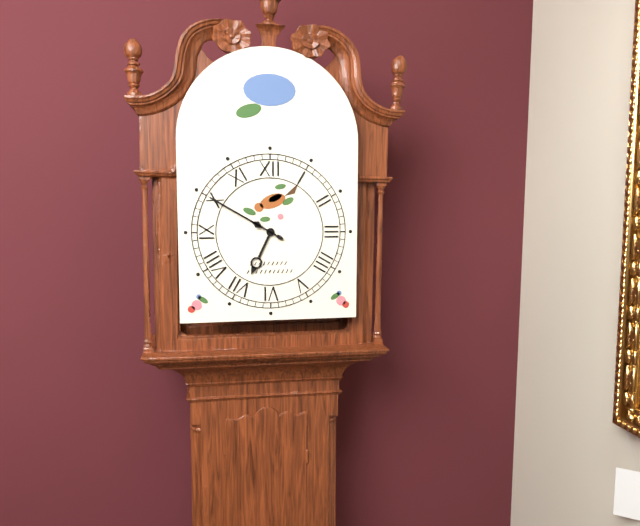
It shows 6 h 50 min
